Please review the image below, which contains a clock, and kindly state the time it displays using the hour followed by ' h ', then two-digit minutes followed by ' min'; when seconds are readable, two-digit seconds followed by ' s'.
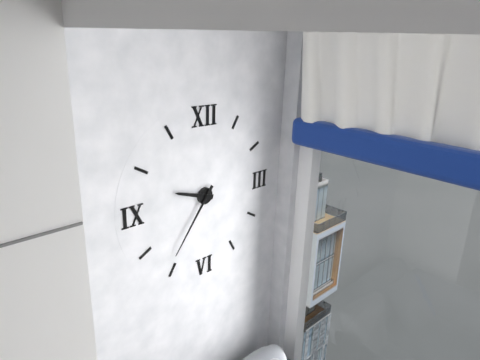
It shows 9 h 36 min
